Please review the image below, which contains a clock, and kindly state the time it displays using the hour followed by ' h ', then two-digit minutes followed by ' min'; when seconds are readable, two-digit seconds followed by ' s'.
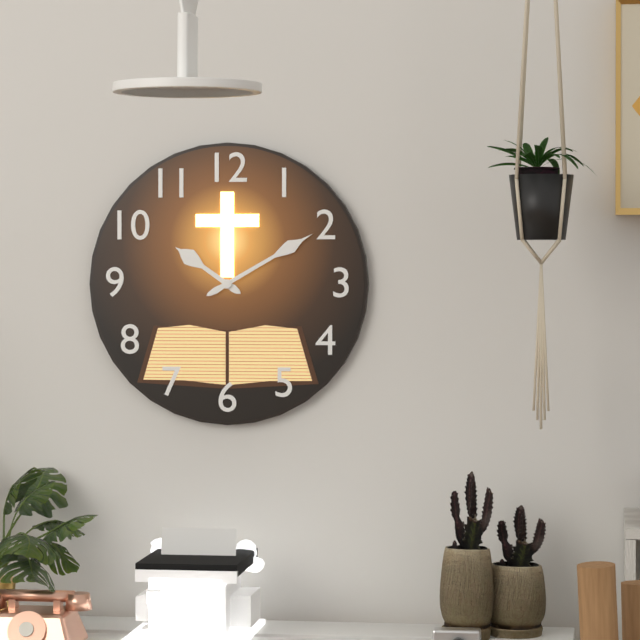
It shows 10 h 10 min
